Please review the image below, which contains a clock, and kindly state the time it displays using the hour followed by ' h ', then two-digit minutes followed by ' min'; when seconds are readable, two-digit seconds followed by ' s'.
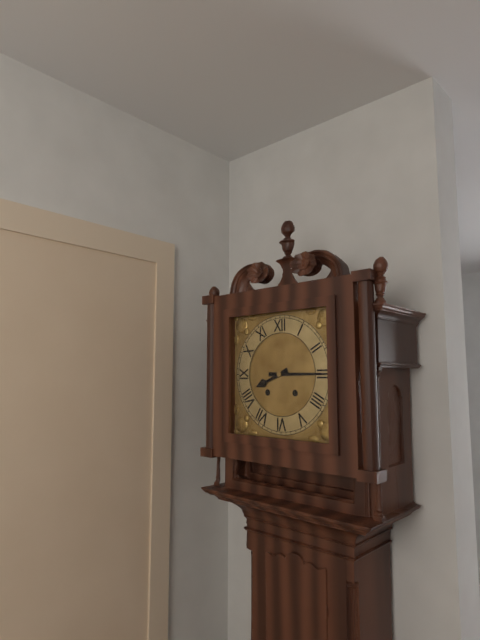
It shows 8 h 15 min
